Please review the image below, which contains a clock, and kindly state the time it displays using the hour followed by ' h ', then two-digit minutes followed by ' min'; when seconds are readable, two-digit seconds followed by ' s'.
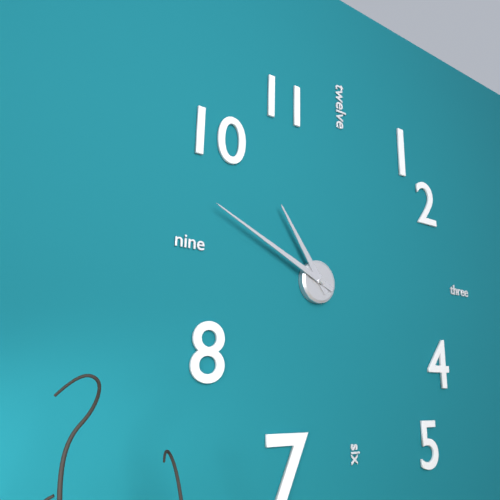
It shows 10 h 49 min
